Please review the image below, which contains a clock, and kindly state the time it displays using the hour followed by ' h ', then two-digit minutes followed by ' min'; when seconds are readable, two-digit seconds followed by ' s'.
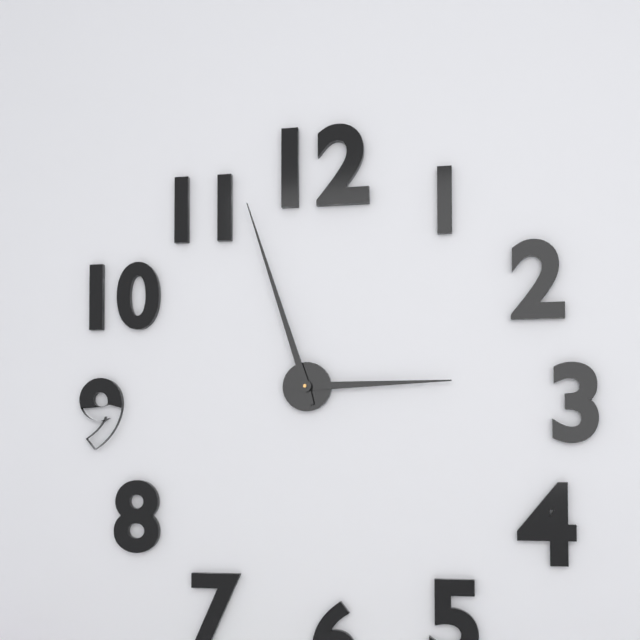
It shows 2 h 57 min
